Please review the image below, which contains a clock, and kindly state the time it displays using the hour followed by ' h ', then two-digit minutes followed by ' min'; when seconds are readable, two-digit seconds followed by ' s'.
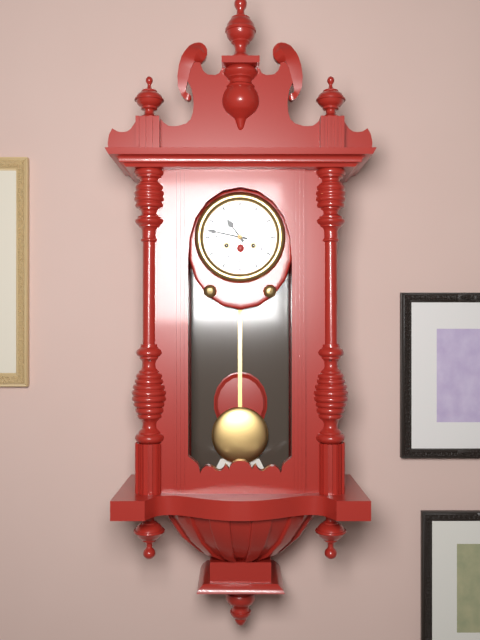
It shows 10 h 47 min
